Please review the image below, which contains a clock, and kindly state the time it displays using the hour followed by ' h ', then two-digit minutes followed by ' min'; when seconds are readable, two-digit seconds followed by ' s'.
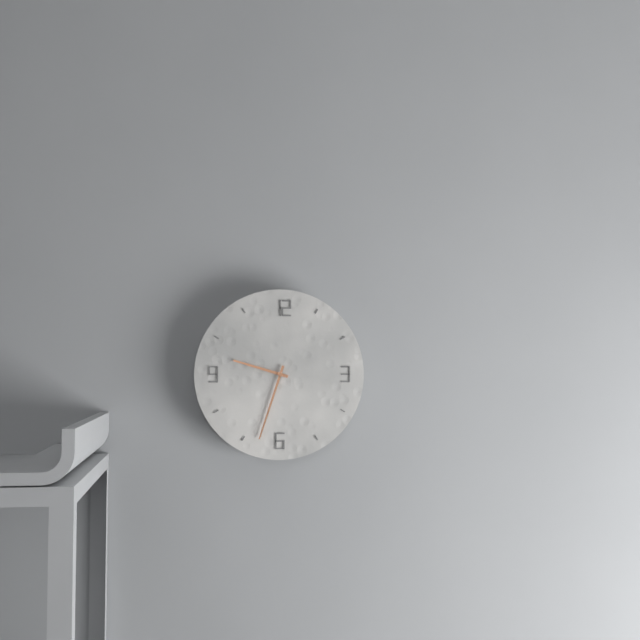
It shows 9 h 33 min
